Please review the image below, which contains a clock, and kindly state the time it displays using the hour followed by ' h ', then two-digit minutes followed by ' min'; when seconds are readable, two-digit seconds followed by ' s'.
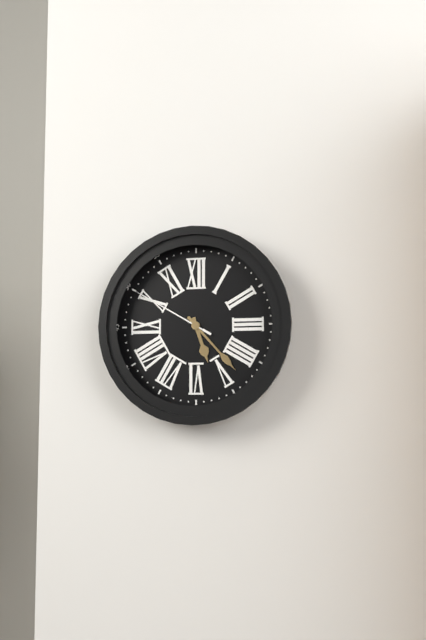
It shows 5 h 23 min 50 s
